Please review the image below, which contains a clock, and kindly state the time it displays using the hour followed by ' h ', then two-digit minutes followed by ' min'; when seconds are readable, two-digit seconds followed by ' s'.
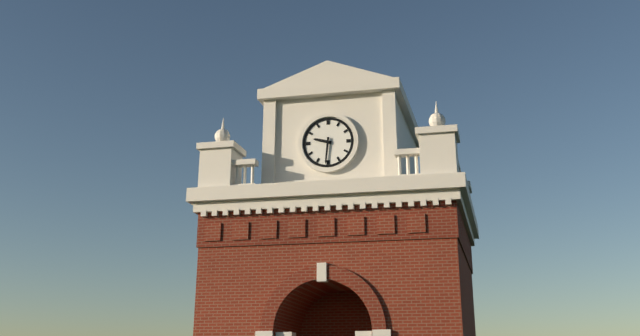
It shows 9 h 31 min
